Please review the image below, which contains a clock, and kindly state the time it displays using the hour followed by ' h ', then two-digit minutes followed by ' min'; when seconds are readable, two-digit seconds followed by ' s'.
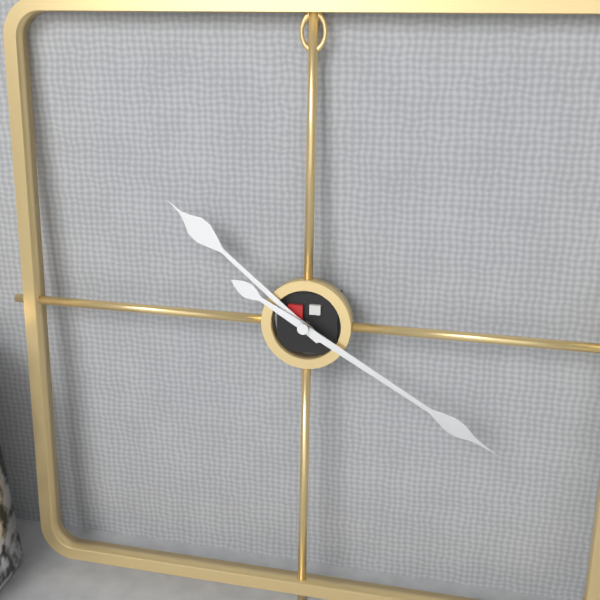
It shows 10 h 20 min
